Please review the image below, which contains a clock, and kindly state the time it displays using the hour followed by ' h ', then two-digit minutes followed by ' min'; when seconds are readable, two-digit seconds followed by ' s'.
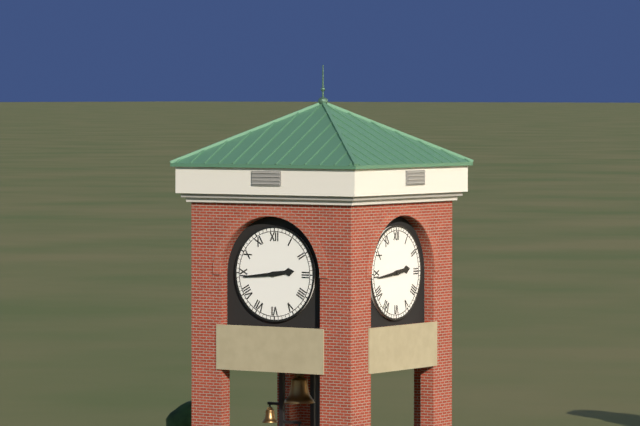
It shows 2 h 44 min
